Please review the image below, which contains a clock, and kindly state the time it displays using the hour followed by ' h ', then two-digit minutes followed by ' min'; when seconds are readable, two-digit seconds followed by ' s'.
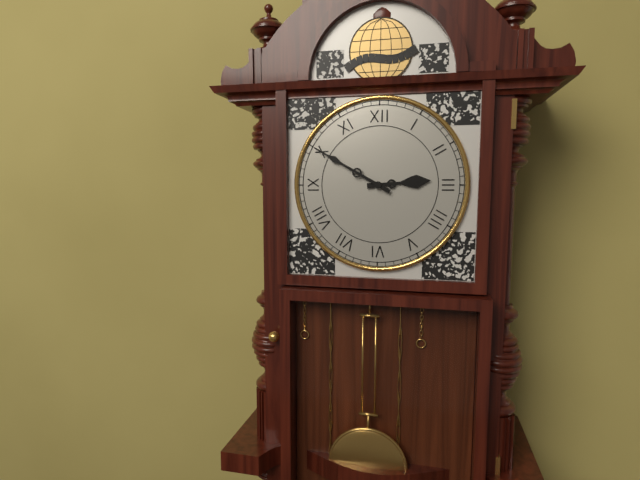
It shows 2 h 50 min
